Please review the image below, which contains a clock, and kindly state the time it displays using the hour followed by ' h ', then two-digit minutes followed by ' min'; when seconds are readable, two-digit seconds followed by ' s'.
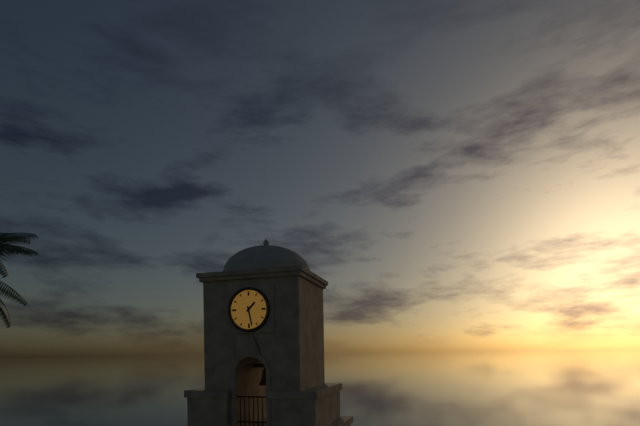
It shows 1 h 28 min
